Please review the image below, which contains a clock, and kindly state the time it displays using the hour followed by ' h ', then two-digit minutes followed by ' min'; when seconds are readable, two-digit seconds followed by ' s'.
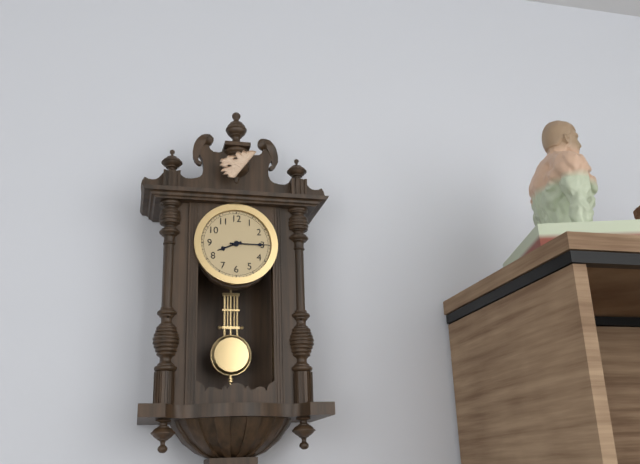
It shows 8 h 15 min
